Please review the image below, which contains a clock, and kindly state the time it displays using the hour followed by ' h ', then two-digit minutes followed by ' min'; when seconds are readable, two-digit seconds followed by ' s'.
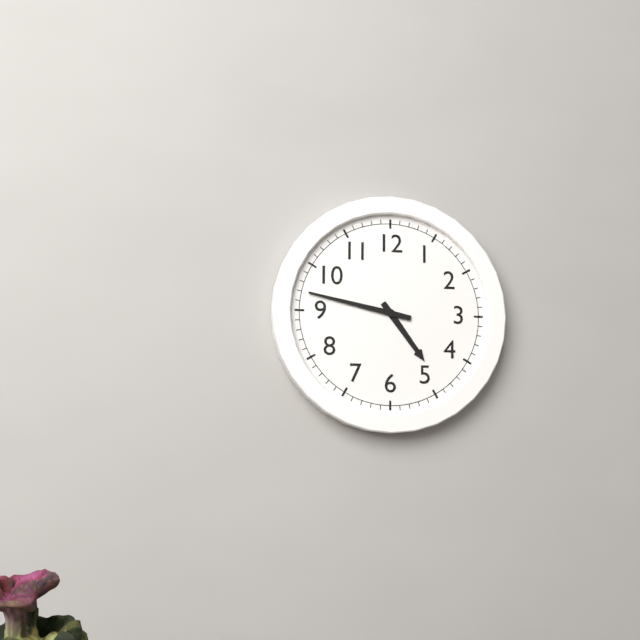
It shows 4 h 47 min
